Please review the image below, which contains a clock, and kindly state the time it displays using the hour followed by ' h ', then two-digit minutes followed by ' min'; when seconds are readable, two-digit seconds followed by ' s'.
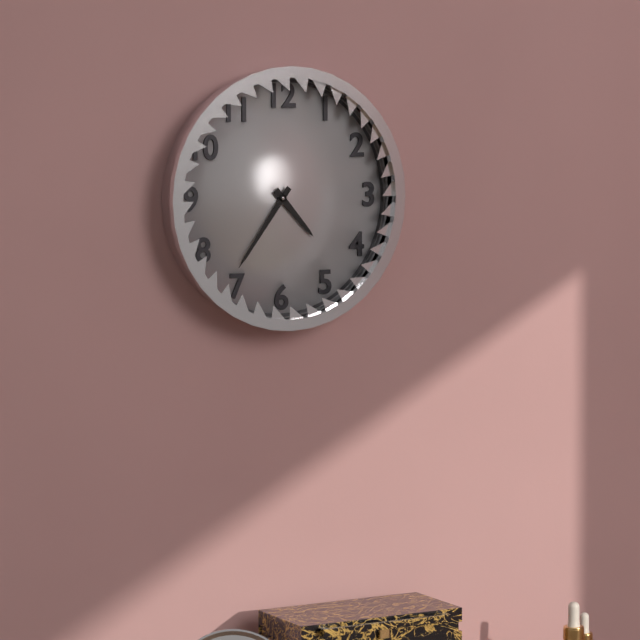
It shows 4 h 36 min
